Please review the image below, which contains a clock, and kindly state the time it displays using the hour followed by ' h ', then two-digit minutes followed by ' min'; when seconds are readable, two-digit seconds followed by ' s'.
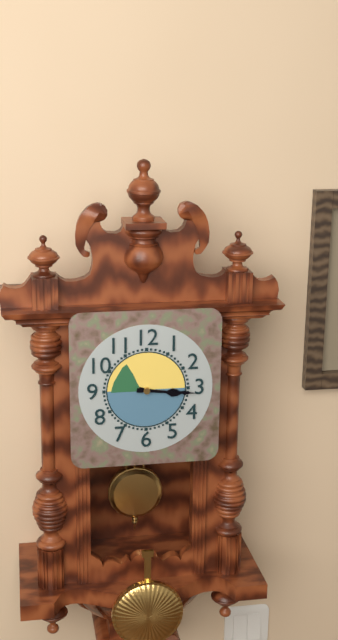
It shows 3 h 16 min
